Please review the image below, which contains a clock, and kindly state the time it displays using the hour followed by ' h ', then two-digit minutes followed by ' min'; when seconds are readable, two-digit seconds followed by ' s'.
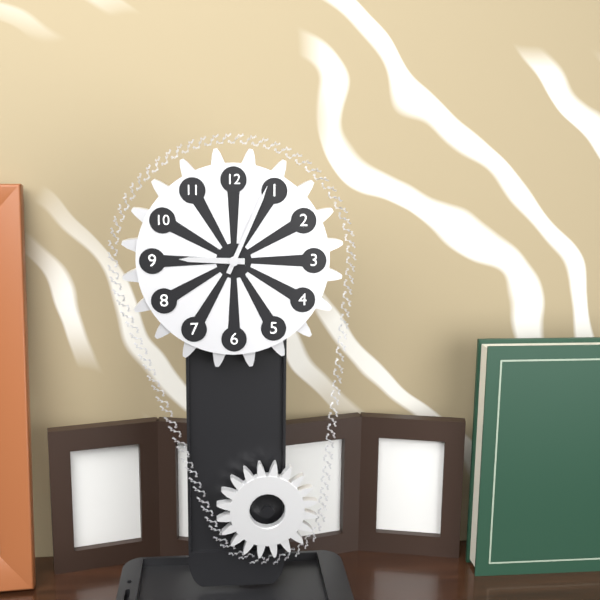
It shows 9 h 04 min
